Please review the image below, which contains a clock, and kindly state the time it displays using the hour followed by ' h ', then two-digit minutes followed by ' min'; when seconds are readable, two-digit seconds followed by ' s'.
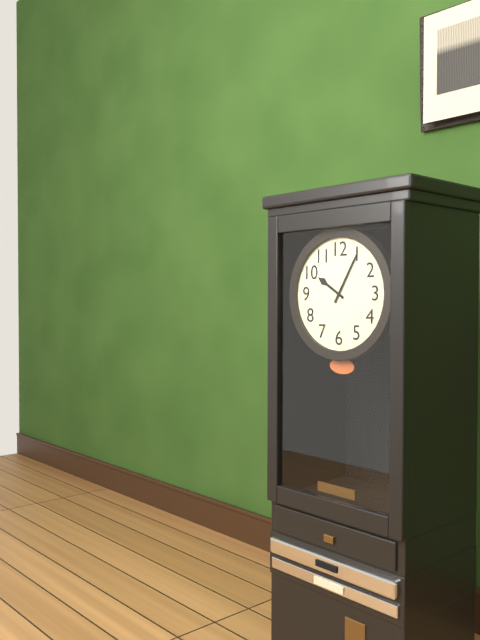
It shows 10 h 05 min
